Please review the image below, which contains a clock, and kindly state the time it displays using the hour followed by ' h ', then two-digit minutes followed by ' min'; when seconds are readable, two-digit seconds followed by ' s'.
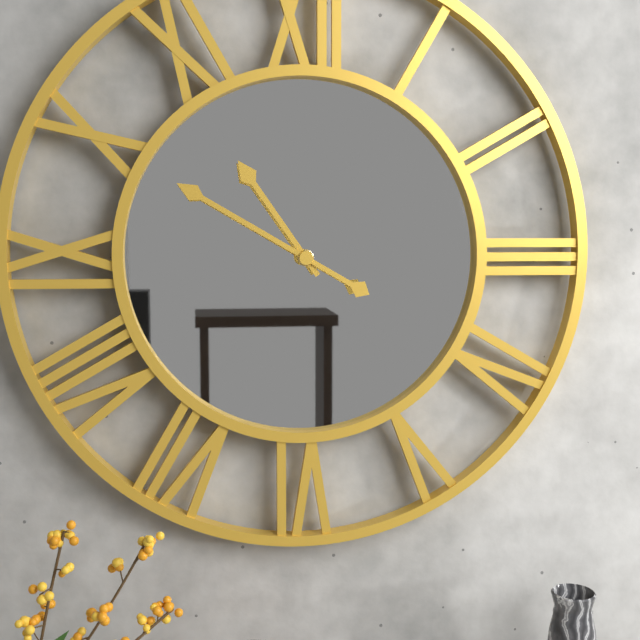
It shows 10 h 50 min
